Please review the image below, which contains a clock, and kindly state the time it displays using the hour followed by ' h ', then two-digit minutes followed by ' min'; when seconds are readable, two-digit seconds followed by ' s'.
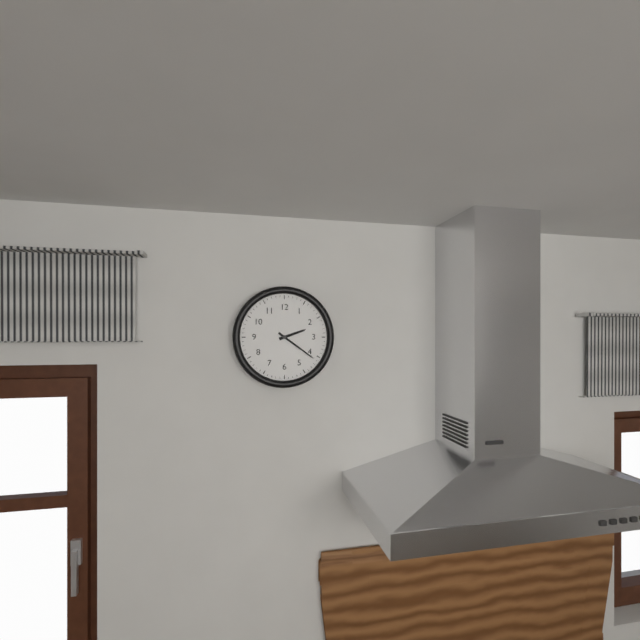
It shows 2 h 21 min
